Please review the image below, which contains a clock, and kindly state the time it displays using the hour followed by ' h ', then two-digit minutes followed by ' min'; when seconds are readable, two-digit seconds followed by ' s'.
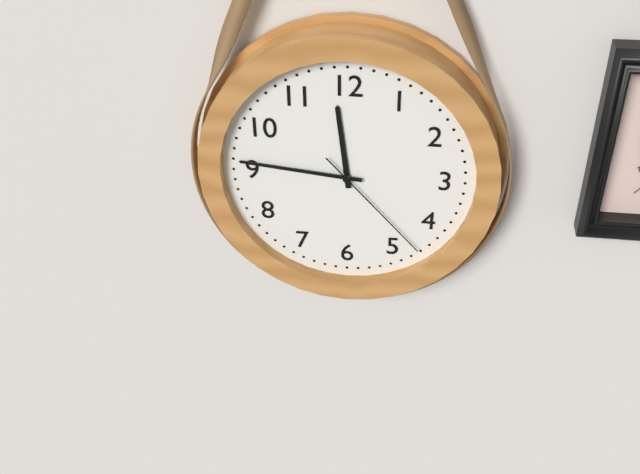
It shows 11 h 46 min 23 s
